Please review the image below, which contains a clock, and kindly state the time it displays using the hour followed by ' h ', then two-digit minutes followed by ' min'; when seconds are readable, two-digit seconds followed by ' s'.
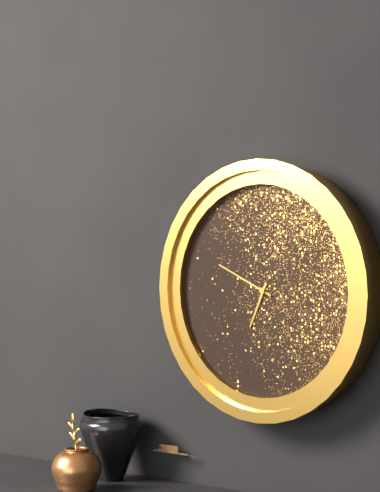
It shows 6 h 49 min
